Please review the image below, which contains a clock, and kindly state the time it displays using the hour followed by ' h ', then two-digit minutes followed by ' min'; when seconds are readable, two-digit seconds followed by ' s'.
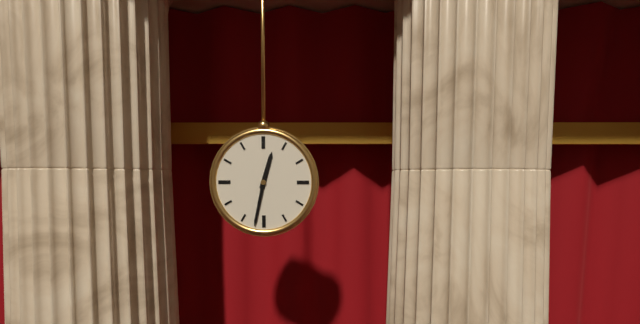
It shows 12 h 32 min
